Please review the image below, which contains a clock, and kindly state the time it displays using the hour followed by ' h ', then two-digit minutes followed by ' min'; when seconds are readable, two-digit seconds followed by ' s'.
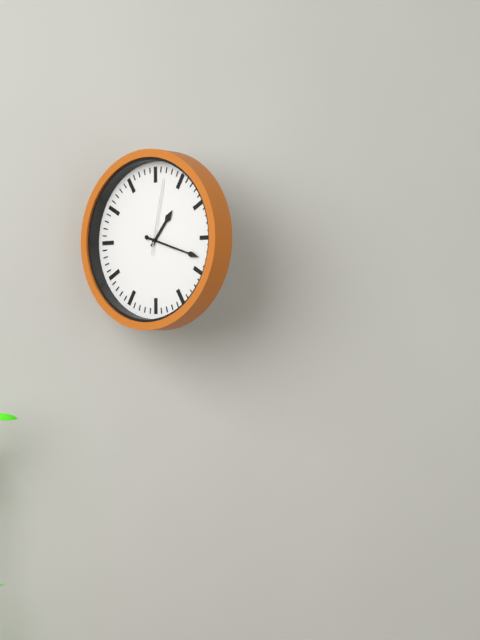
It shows 1 h 18 min 02 s
